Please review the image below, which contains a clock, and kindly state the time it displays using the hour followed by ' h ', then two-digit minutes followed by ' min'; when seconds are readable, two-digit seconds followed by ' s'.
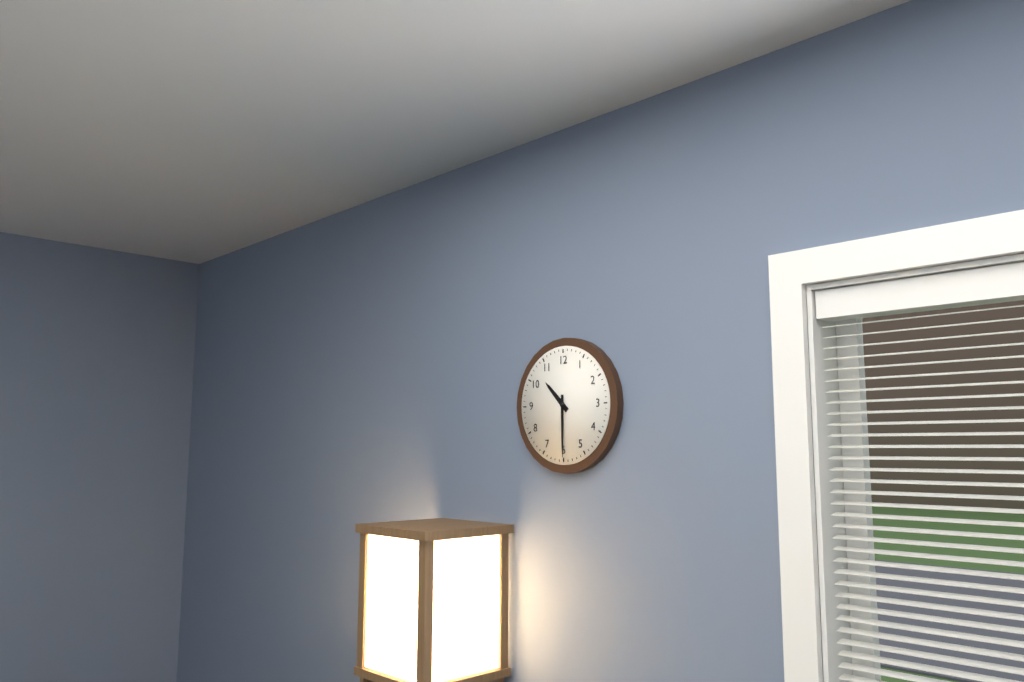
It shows 10 h 30 min
